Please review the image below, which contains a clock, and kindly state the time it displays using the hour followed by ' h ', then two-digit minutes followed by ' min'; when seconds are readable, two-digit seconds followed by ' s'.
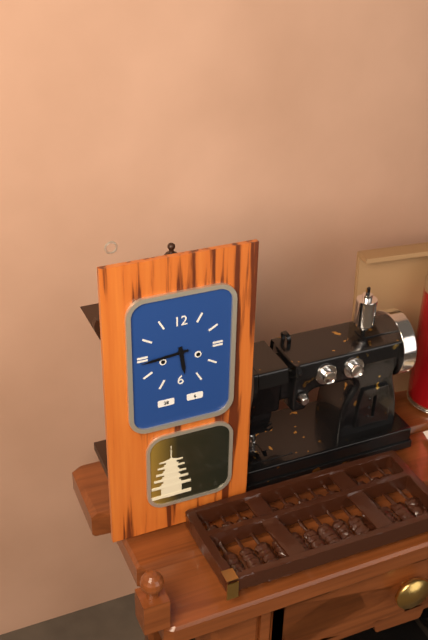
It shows 5 h 44 min
